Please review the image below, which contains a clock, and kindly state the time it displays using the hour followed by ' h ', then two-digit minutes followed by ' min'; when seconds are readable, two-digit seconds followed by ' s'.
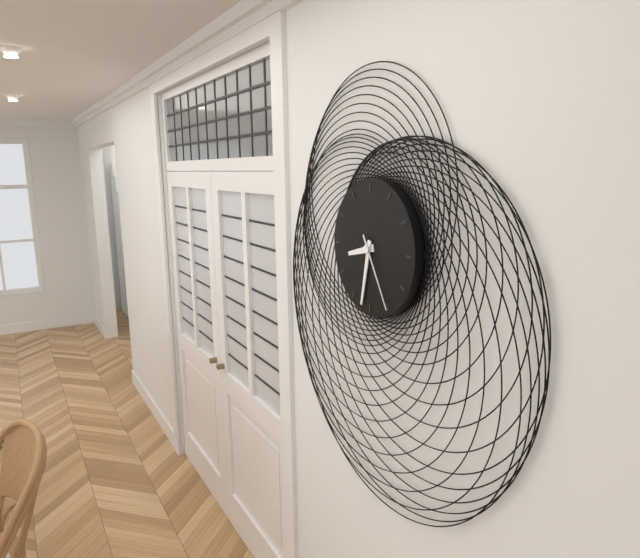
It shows 8 h 32 min 25 s
